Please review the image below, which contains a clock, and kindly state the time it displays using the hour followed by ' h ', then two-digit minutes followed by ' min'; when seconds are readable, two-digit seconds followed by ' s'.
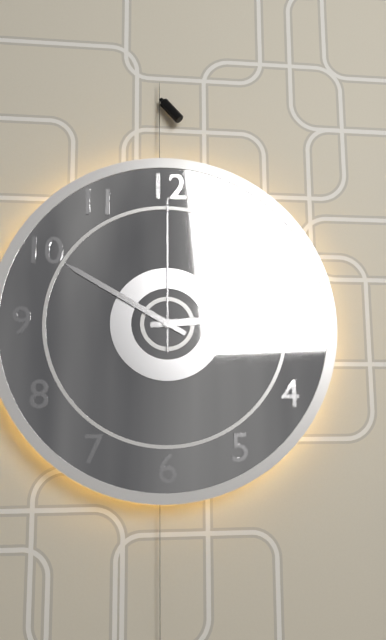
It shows 2 h 50 min 00 s
